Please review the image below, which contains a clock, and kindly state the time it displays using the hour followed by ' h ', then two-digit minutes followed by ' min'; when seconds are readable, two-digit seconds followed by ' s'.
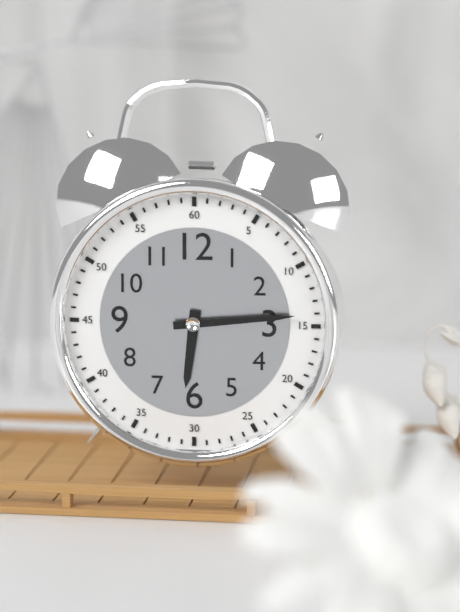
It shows 6 h 14 min
